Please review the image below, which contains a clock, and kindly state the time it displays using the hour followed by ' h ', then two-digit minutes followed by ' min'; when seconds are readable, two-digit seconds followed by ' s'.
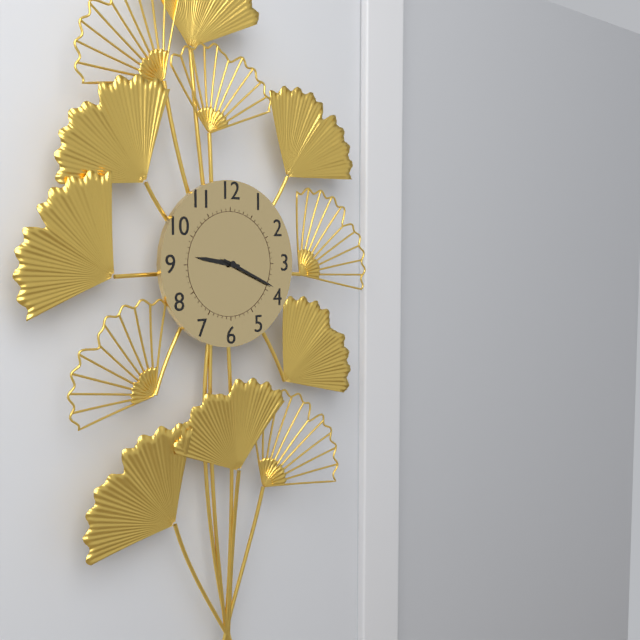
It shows 9 h 19 min
